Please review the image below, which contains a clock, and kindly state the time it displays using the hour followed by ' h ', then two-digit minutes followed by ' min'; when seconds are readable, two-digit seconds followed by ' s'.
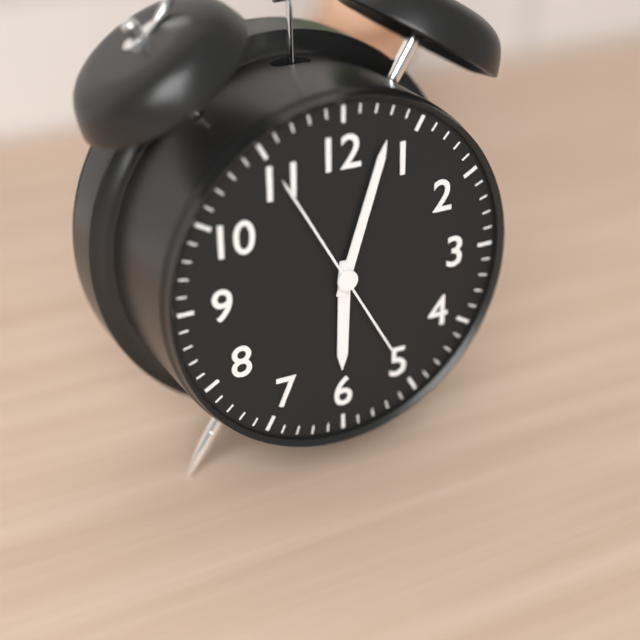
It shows 6 h 03 min 55 s
